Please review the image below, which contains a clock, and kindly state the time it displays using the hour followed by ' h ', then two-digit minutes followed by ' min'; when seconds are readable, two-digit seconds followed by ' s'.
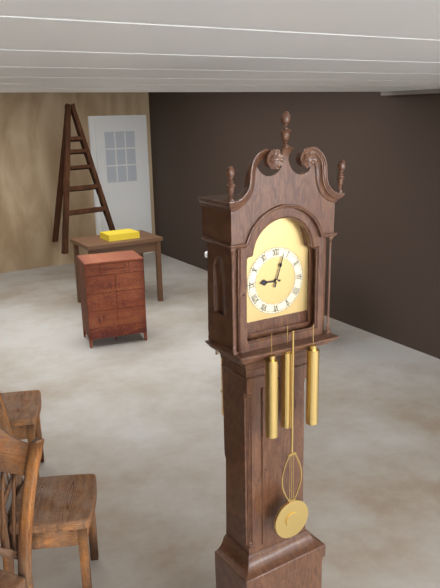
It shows 9 h 03 min
